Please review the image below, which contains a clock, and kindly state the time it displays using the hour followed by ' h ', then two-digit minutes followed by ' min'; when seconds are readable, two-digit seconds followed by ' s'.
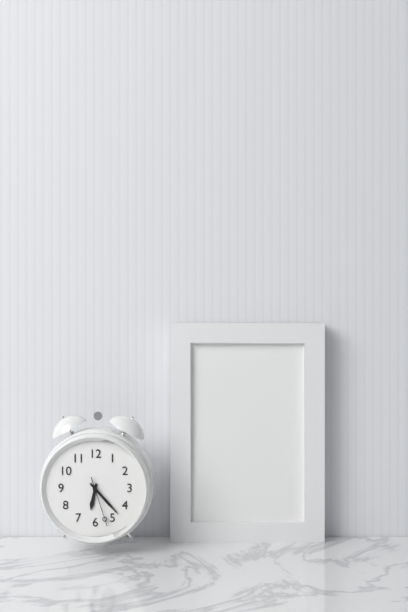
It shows 6 h 23 min
